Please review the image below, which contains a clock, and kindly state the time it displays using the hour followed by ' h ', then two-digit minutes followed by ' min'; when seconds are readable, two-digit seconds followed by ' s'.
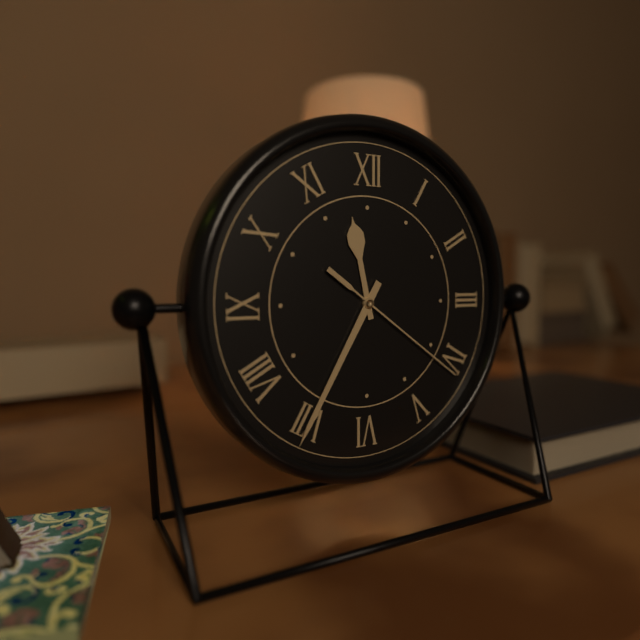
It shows 11 h 35 min 21 s
